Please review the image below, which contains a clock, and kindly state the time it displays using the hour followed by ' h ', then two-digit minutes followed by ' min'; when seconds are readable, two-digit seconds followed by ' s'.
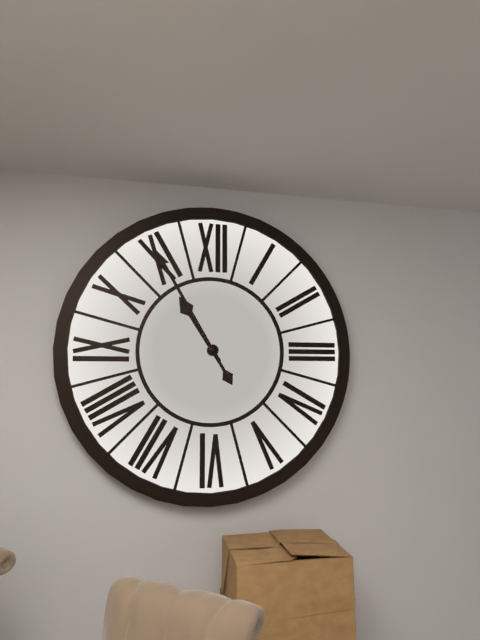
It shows 10 h 55 min
